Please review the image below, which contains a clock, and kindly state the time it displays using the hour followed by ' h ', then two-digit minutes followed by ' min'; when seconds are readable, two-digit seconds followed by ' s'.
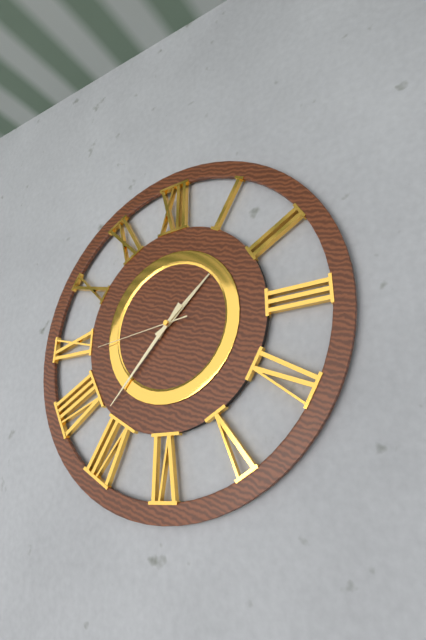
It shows 1 h 37 min 44 s
